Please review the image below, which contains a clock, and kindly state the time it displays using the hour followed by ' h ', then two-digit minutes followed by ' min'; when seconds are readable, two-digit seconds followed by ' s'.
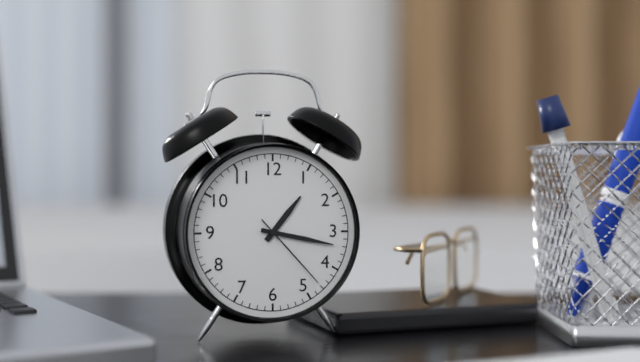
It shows 1 h 17 min 23 s
